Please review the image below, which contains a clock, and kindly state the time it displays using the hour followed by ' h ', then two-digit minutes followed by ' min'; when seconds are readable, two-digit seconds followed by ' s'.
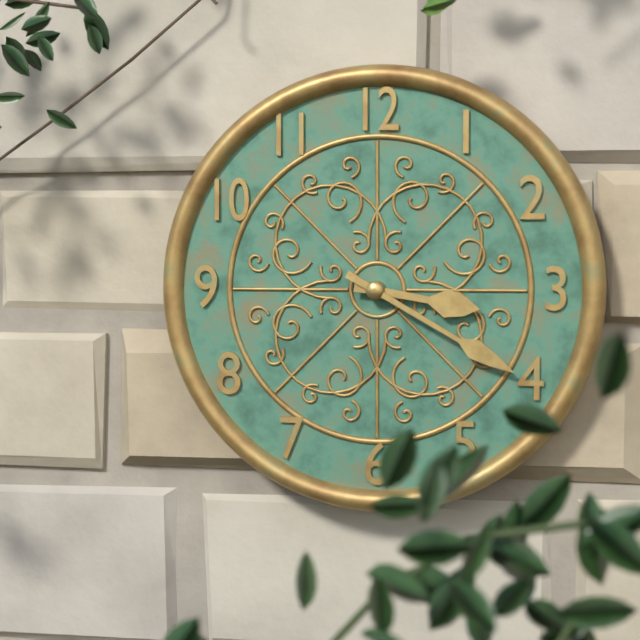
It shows 3 h 20 min
